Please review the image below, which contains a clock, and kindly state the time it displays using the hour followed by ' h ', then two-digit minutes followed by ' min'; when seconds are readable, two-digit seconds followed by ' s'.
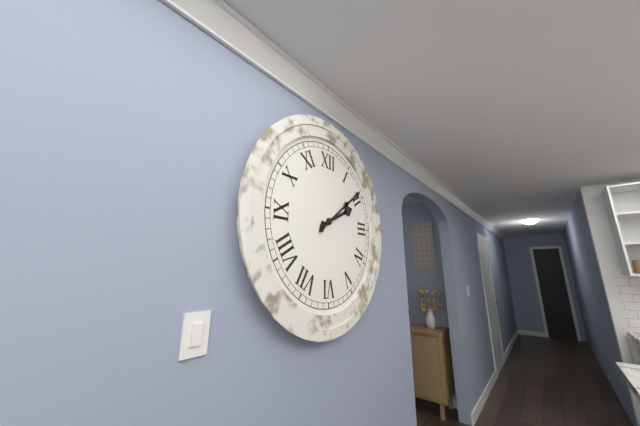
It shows 2 h 09 min
